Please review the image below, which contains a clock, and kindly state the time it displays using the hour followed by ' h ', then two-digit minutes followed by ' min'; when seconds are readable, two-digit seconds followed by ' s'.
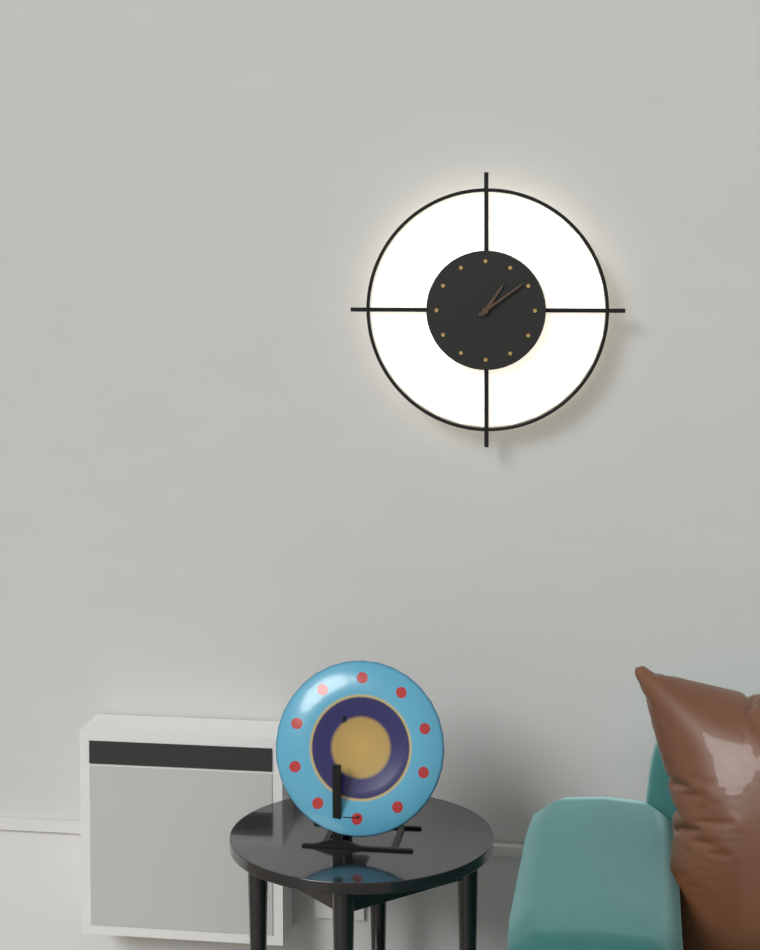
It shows 1 h 09 min
